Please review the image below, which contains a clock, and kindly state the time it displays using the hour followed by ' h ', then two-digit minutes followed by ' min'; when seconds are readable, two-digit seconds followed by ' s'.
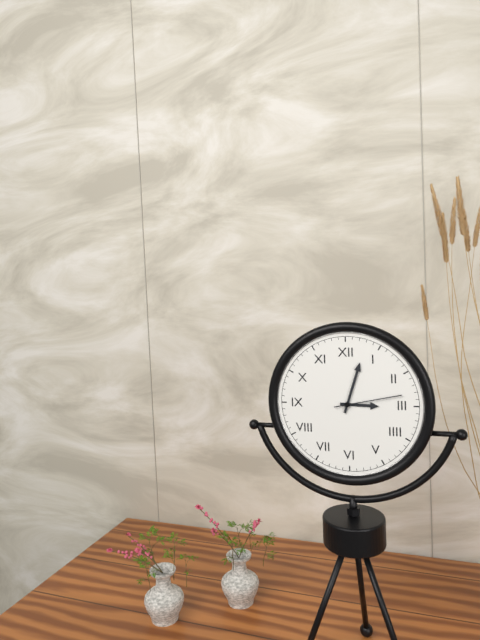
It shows 3 h 03 min 13 s
